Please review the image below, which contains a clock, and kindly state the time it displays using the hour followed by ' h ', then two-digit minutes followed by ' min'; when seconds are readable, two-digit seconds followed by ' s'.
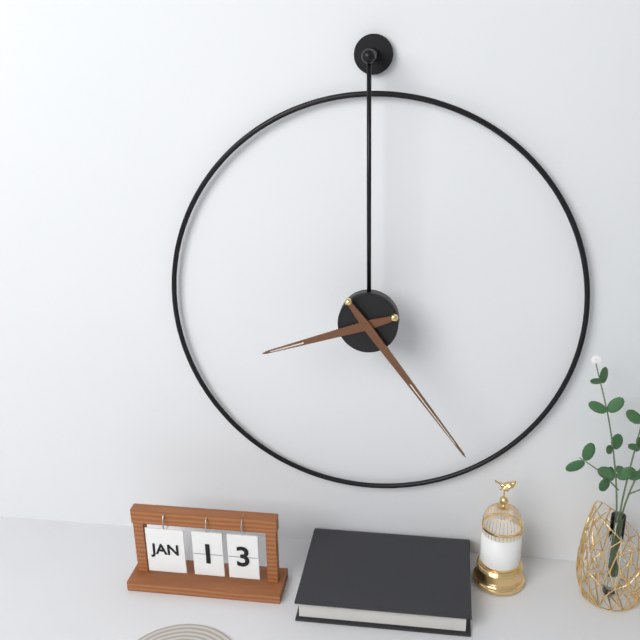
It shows 8 h 24 min
